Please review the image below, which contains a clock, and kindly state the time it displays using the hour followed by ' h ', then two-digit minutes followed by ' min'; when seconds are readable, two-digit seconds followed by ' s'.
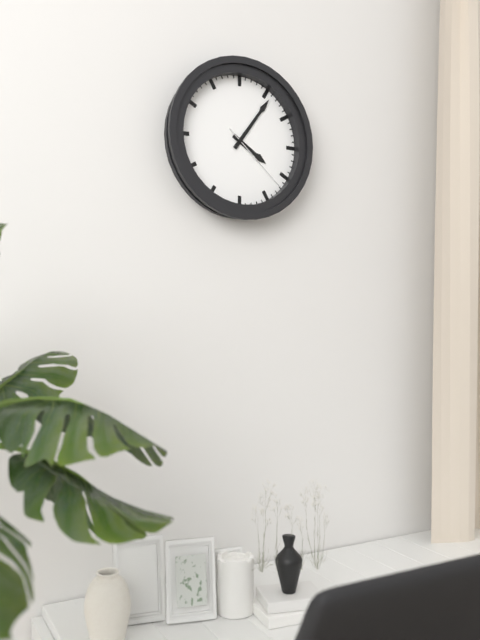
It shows 4 h 06 min 22 s
